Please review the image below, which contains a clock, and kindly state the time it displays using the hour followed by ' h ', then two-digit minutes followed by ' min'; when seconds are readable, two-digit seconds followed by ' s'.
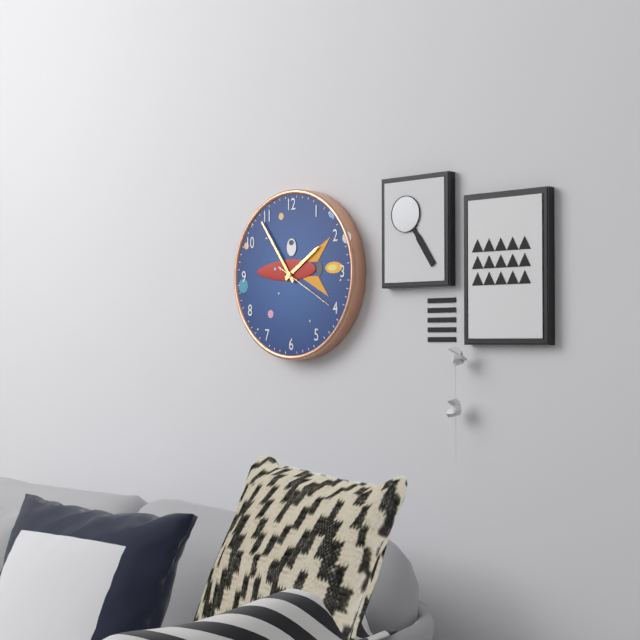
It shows 1 h 54 min 20 s
